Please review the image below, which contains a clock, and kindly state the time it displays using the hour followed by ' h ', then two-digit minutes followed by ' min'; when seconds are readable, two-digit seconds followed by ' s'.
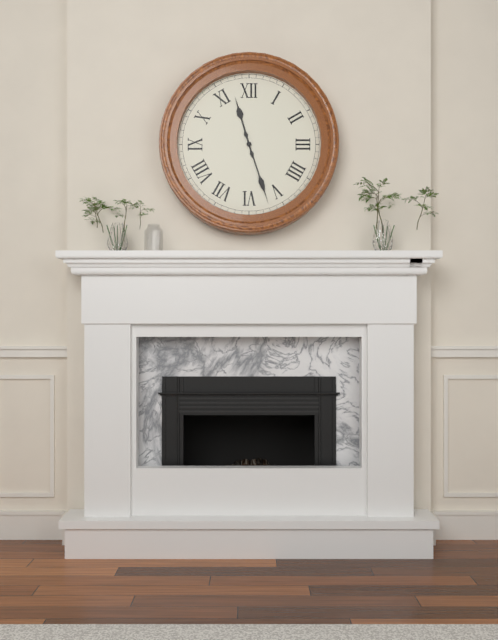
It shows 11 h 27 min
